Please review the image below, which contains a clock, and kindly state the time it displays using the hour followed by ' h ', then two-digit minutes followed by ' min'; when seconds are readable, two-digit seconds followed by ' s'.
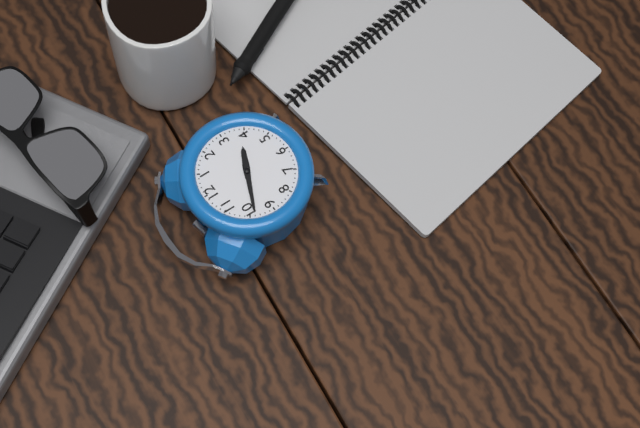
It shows 3 h 49 min
